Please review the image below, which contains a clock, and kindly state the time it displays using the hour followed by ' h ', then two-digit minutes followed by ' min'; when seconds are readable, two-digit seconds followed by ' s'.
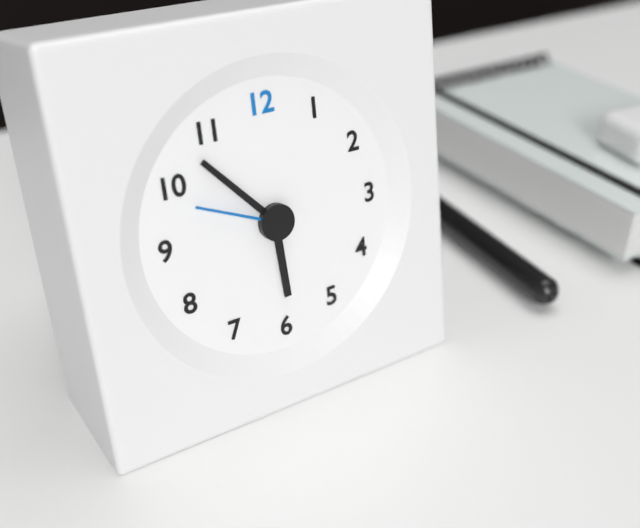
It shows 5 h 53 min 49 s
